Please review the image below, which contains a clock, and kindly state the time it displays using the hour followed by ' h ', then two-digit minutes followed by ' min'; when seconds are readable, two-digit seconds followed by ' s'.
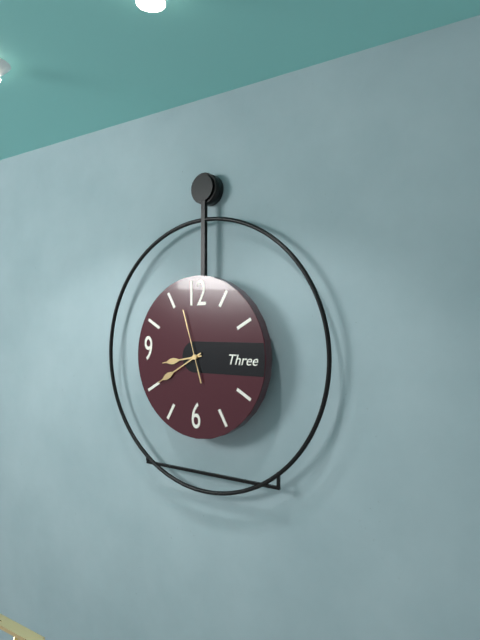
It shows 8 h 40 min 57 s
